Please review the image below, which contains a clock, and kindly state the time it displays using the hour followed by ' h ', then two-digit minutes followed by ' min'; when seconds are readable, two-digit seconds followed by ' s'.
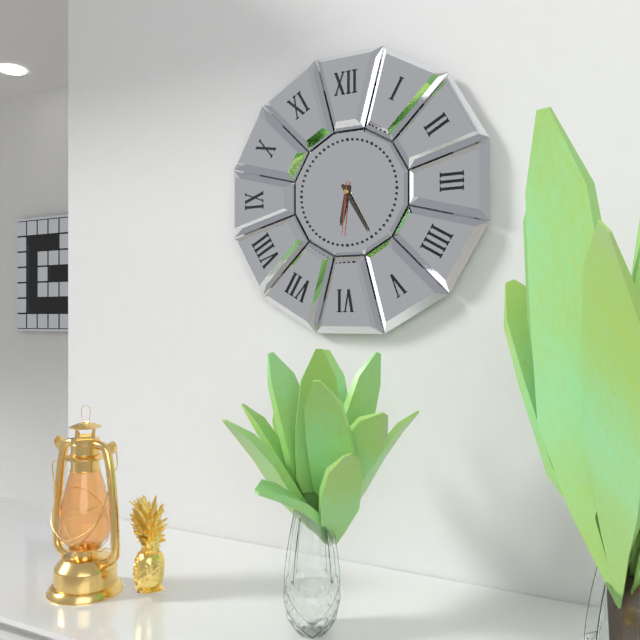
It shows 6 h 25 min 31 s
